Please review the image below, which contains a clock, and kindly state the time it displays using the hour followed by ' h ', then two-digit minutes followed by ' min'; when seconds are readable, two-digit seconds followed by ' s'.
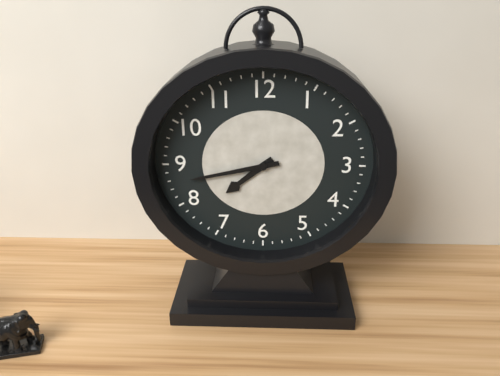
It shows 7 h 43 min
